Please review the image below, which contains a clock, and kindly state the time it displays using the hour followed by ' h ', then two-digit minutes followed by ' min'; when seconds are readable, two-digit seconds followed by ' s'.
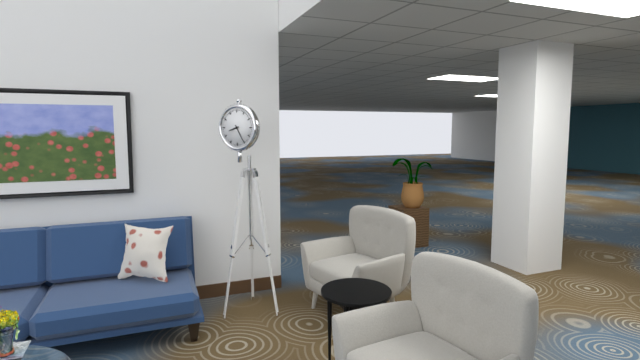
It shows 8 h 25 min
